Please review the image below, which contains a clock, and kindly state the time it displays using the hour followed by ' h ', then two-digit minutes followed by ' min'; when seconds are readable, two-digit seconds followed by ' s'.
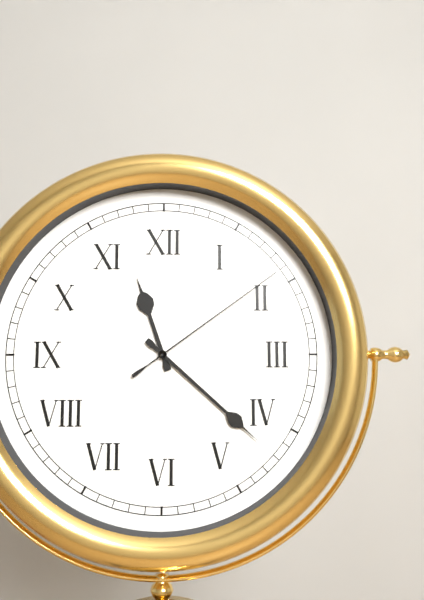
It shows 11 h 22 min 09 s
